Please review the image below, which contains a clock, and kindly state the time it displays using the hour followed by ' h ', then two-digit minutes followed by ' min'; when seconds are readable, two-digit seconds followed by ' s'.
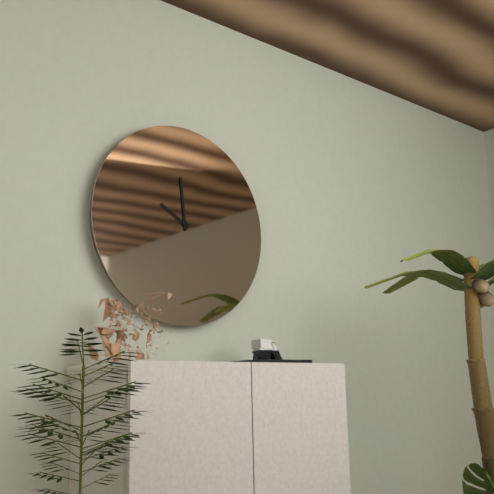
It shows 9 h 59 min
